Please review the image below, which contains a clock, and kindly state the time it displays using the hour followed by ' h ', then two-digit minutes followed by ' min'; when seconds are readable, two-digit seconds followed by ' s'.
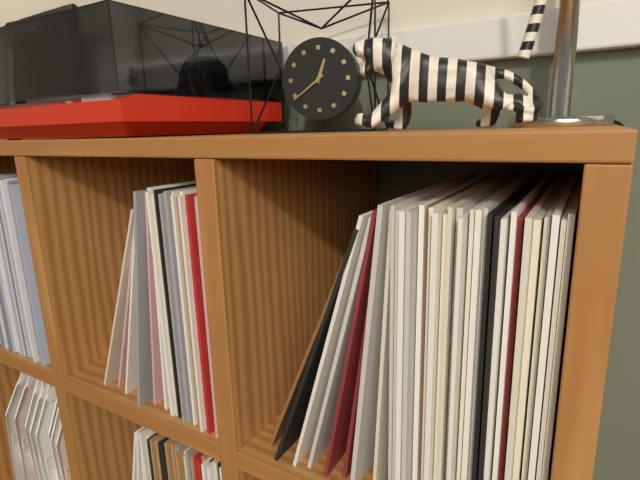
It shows 12 h 39 min
